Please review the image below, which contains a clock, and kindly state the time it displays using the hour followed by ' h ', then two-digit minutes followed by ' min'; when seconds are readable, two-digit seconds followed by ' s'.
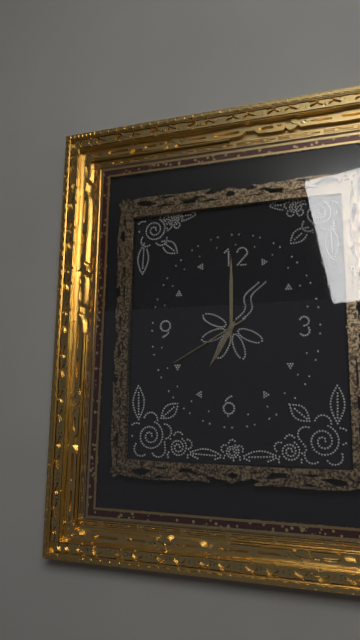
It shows 7 h 00 min 40 s
